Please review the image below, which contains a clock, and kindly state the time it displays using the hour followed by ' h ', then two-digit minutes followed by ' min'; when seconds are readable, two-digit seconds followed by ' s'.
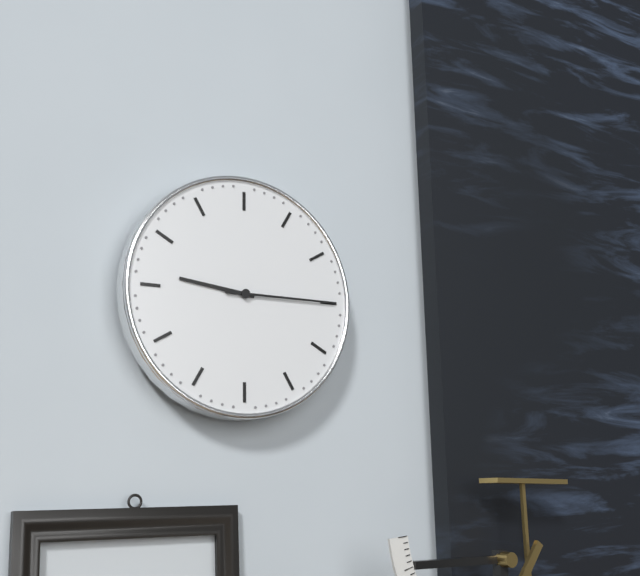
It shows 9 h 15 min
